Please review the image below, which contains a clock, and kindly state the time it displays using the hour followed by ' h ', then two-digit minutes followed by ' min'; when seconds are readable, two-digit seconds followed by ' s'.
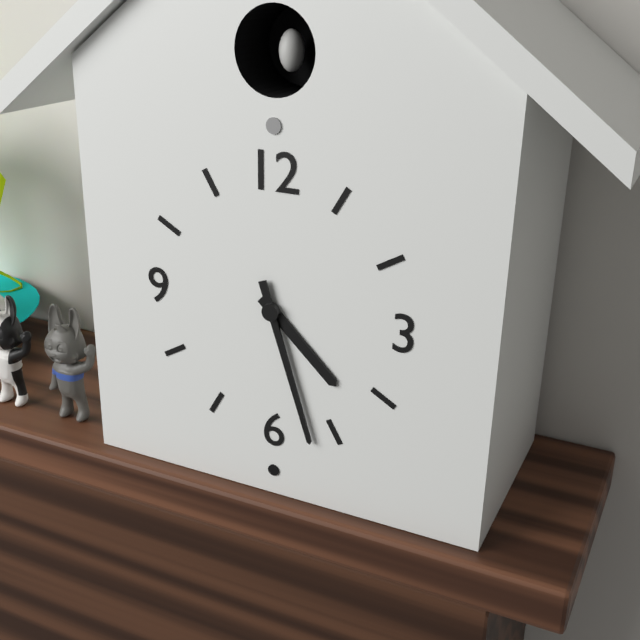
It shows 4 h 27 min
